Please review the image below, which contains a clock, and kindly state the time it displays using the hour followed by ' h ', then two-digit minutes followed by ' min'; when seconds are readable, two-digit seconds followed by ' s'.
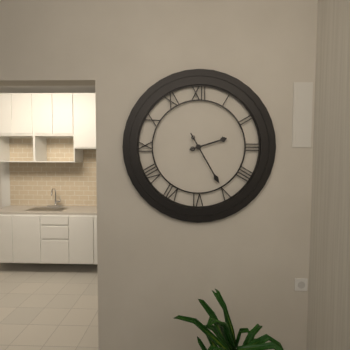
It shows 2 h 25 min
